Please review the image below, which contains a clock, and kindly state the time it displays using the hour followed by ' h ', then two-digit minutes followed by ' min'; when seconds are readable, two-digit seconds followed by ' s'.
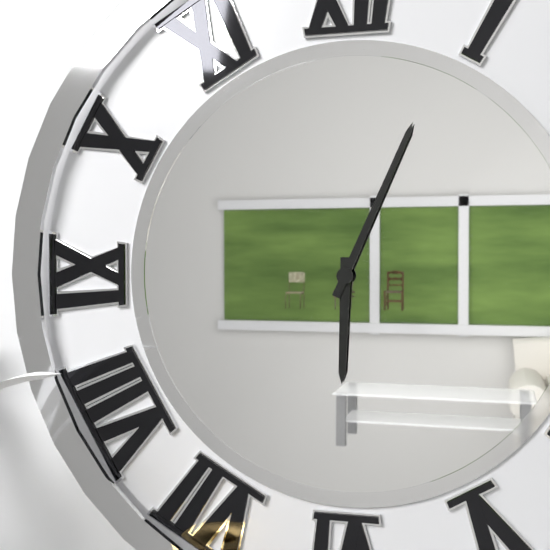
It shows 6 h 04 min
